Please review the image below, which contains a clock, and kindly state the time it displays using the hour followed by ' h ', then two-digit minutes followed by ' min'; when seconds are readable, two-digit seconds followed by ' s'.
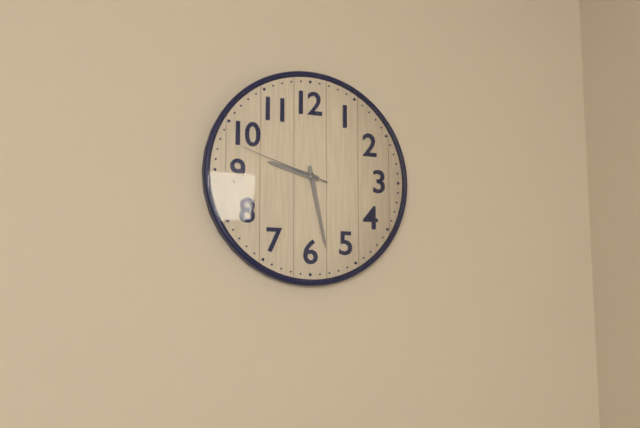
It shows 9 h 28 min 48 s
